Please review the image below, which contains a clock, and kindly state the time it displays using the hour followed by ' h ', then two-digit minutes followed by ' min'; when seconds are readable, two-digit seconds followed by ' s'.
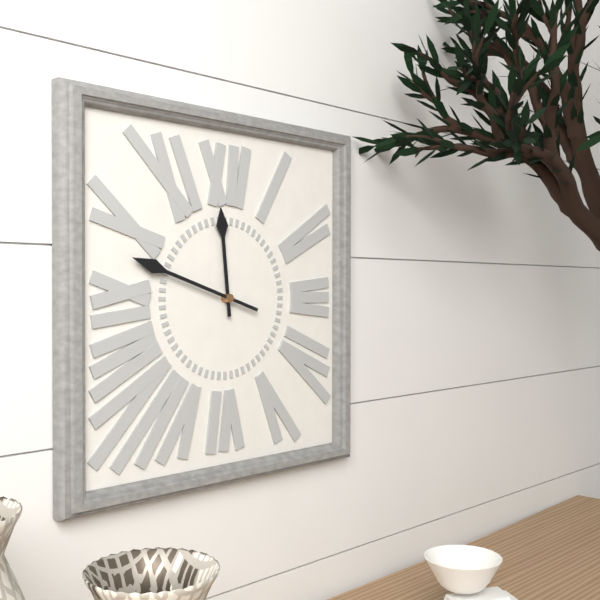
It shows 11 h 48 min
